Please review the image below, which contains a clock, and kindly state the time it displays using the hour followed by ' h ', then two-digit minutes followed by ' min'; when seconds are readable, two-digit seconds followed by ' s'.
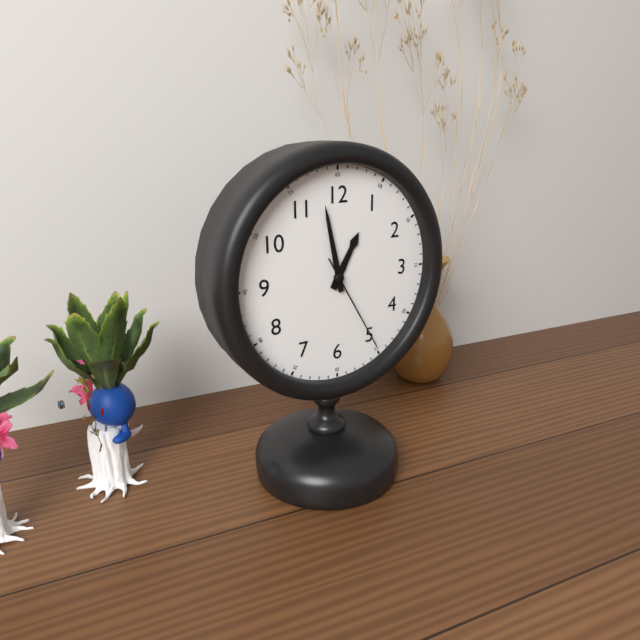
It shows 12 h 58 min 25 s
